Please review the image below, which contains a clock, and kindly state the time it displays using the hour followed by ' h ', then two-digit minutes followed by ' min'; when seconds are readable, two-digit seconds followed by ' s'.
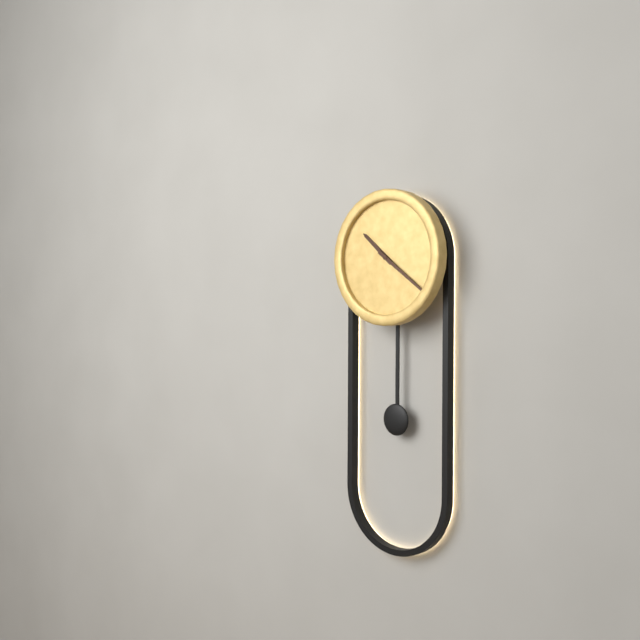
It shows 10 h 21 min
